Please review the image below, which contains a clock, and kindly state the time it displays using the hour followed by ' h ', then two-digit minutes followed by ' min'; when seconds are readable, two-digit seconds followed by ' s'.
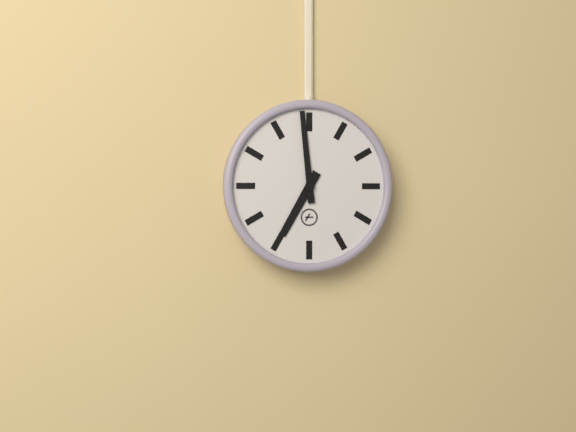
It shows 6 h 59 min
